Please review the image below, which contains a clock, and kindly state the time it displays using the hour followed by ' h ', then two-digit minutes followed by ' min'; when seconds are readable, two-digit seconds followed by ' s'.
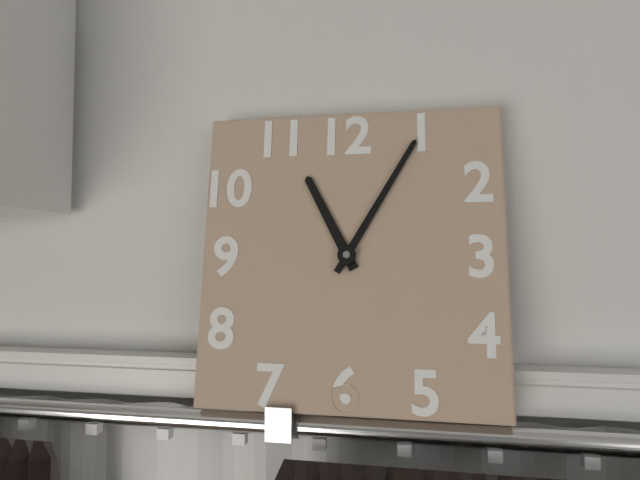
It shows 11 h 05 min
